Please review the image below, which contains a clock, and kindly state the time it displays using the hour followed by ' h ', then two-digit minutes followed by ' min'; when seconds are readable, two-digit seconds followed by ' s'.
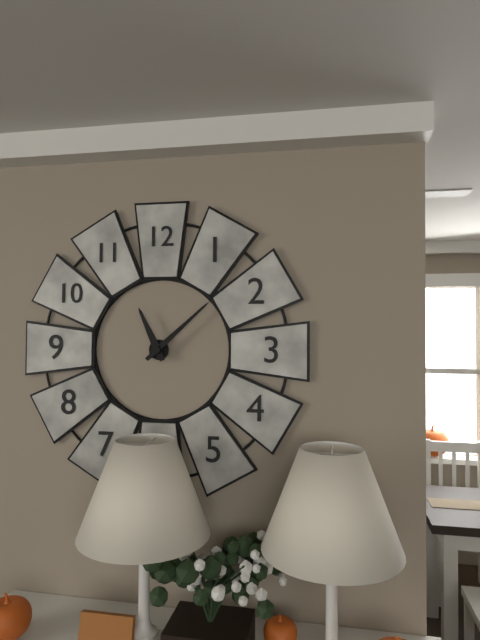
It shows 11 h 08 min
